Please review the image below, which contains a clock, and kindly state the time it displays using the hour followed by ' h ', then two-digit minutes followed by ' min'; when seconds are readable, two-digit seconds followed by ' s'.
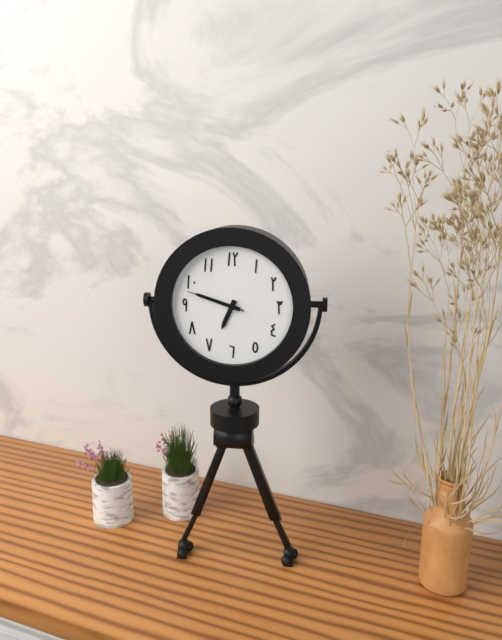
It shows 6 h 48 min 48 s
